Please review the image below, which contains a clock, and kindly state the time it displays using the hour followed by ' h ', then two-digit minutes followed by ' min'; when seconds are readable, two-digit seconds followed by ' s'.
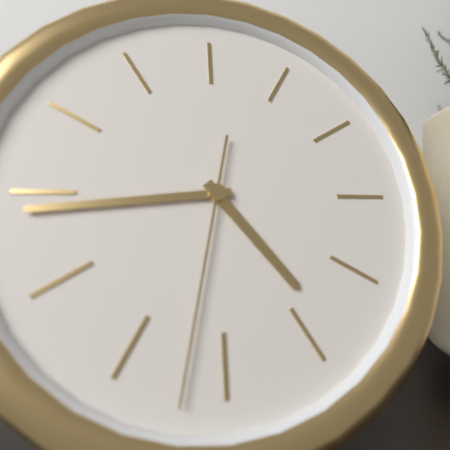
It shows 4 h 44 min 32 s
